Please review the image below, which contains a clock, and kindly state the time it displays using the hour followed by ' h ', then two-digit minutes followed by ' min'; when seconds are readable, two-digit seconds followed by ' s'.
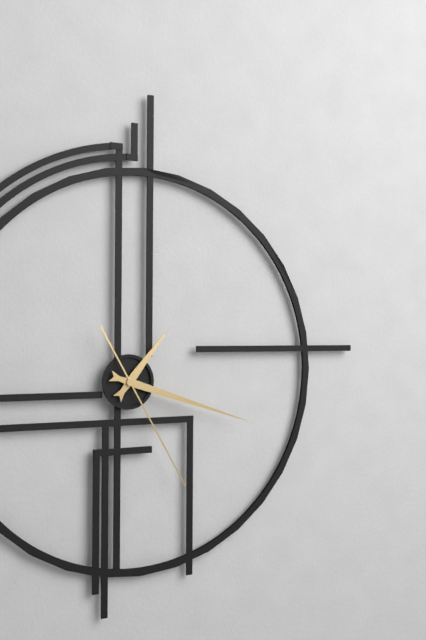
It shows 1 h 18 min 25 s
